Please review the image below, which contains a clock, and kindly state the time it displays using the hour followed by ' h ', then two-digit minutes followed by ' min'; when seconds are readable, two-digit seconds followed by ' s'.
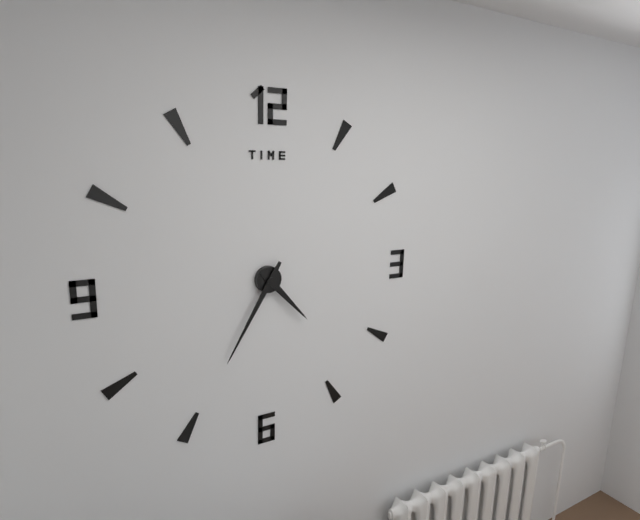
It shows 4 h 35 min
